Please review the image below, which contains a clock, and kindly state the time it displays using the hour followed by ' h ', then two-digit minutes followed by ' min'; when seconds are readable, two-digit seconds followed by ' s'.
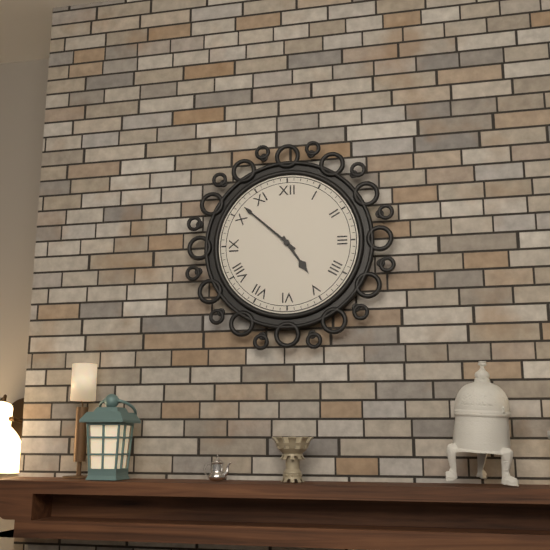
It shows 4 h 52 min
